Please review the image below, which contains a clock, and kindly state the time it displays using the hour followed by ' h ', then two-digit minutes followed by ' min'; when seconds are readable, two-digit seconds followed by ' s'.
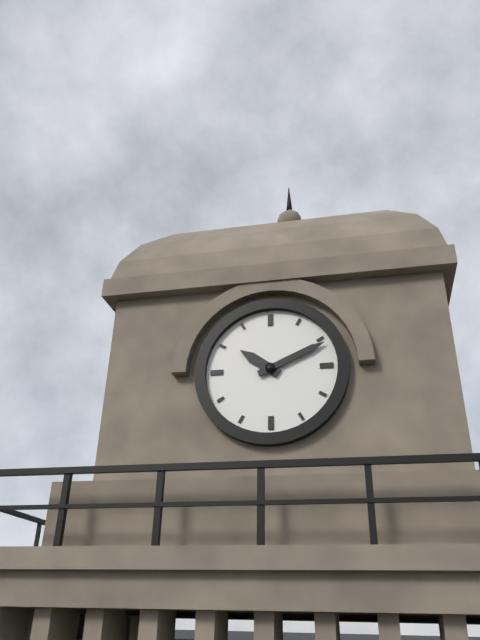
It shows 10 h 11 min
